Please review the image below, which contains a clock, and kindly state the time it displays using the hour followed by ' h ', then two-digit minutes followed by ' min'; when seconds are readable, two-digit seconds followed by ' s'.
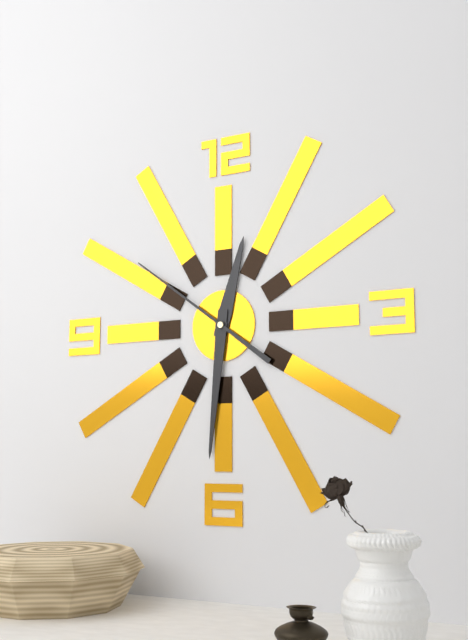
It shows 12 h 31 min 51 s
